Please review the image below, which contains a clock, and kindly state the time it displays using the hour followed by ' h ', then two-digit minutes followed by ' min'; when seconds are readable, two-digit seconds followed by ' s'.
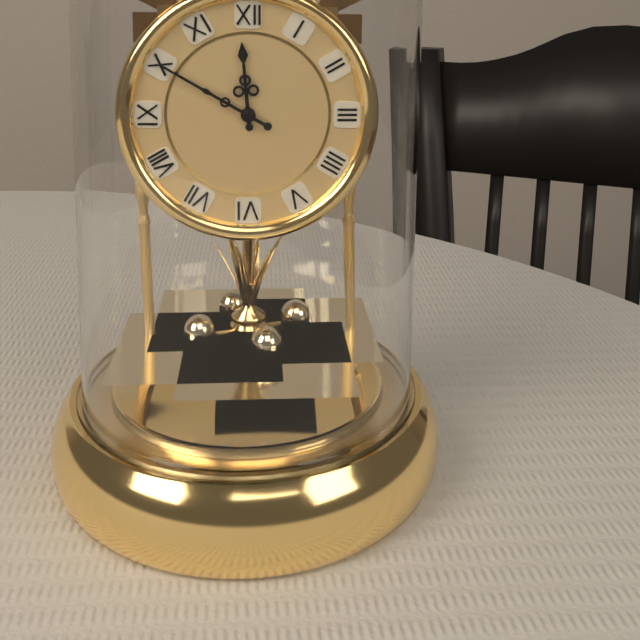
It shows 11 h 50 min
